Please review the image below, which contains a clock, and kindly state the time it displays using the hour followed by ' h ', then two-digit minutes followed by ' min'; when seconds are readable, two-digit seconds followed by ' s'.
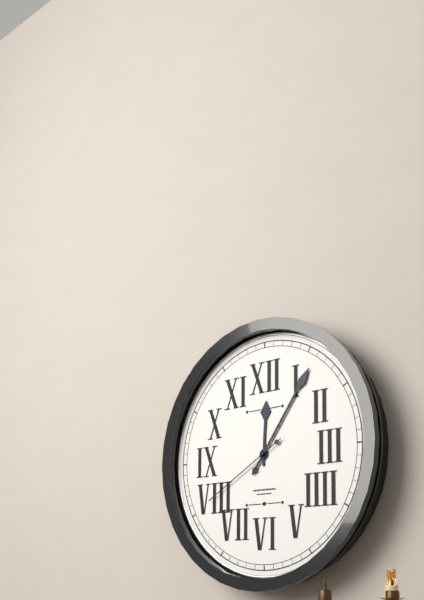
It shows 12 h 06 min 40 s
